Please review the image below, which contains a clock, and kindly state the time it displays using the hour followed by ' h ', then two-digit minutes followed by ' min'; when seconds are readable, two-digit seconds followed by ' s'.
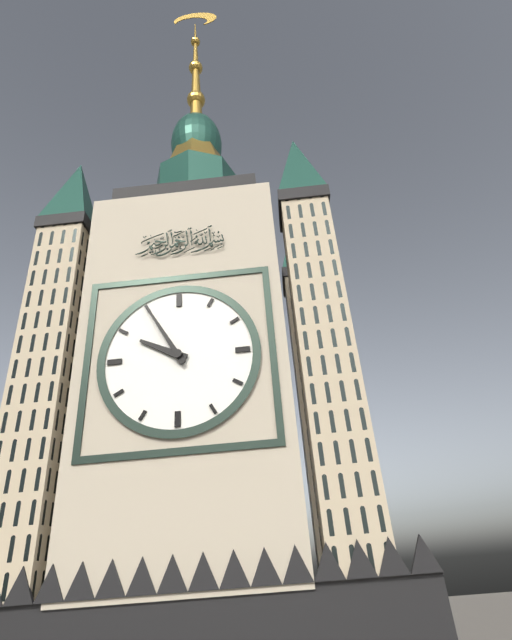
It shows 9 h 55 min
